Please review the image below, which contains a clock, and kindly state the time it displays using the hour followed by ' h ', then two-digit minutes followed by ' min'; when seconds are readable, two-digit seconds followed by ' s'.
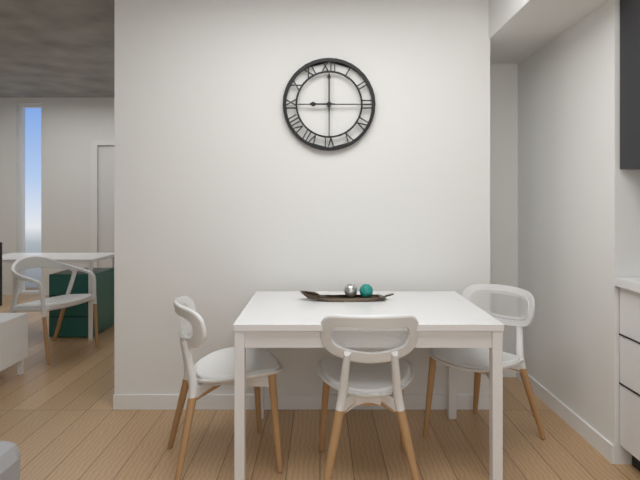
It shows 9 h 00 min
